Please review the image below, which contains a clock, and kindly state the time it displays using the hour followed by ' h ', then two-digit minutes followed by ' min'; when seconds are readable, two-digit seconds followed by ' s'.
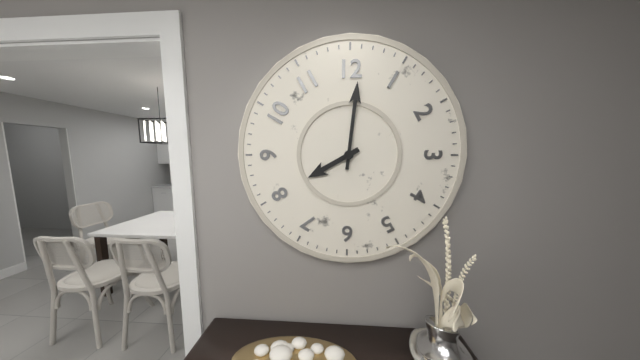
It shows 8 h 01 min
